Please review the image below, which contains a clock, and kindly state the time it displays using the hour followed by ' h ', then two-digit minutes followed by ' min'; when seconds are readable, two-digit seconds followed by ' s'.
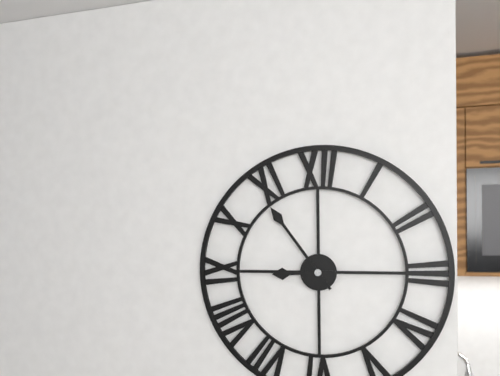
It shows 8 h 54 min
